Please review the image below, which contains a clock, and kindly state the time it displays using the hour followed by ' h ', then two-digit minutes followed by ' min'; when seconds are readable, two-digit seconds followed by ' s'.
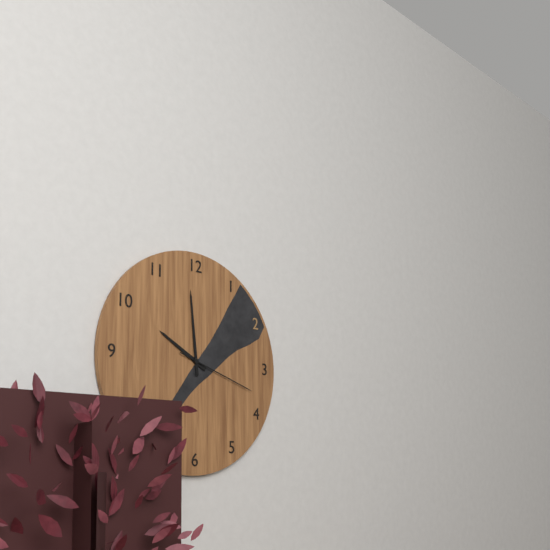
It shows 9 h 59 min 18 s
